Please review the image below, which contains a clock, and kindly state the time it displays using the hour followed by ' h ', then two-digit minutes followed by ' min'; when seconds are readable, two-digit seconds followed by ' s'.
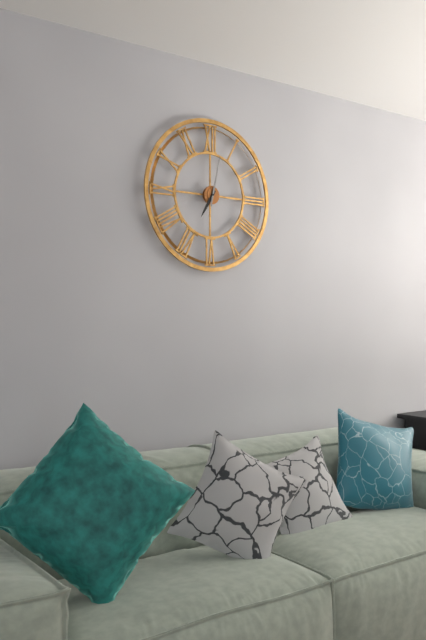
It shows 7 h 02 min
